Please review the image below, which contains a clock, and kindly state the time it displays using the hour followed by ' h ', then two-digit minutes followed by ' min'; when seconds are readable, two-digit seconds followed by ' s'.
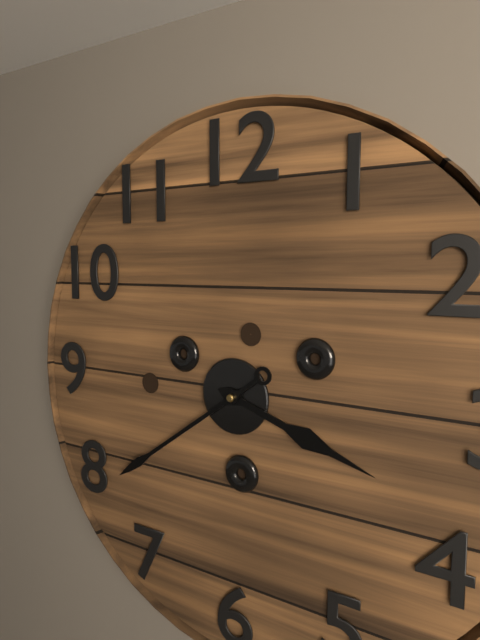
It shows 3 h 39 min
